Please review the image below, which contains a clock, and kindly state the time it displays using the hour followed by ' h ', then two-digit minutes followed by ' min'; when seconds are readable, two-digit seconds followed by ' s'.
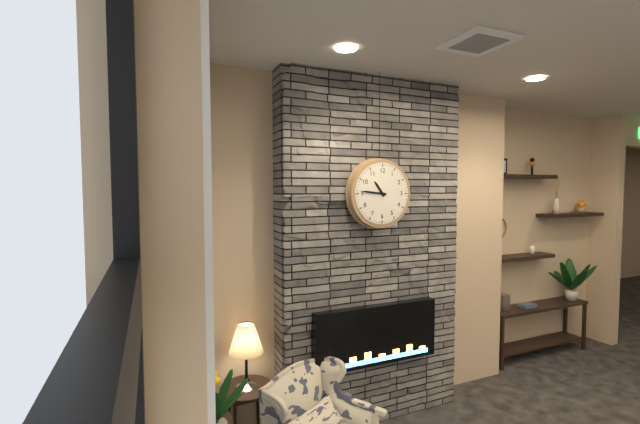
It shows 10 h 46 min
